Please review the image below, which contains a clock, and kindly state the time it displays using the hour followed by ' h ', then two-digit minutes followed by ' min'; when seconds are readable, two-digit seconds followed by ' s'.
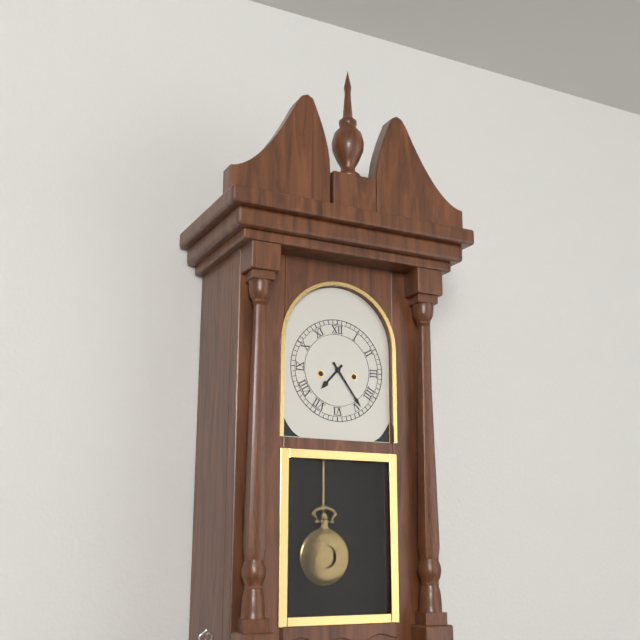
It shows 7 h 24 min
